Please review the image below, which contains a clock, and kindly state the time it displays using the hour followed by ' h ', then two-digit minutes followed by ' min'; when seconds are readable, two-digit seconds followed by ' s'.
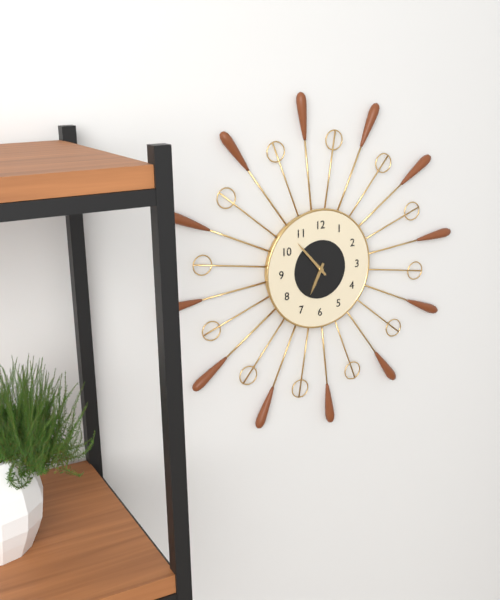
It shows 6 h 53 min
